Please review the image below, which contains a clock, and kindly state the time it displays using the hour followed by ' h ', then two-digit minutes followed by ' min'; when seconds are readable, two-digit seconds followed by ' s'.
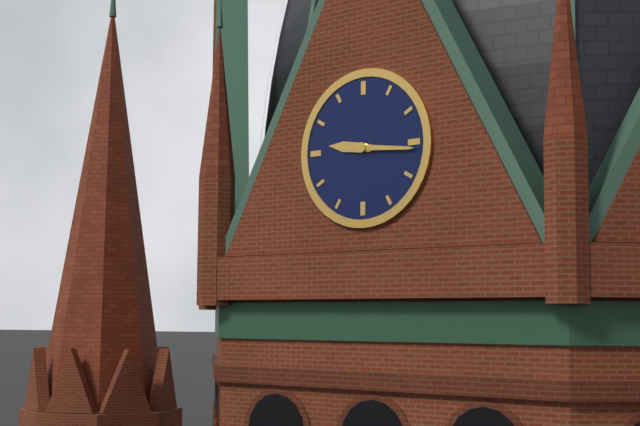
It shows 9 h 16 min
